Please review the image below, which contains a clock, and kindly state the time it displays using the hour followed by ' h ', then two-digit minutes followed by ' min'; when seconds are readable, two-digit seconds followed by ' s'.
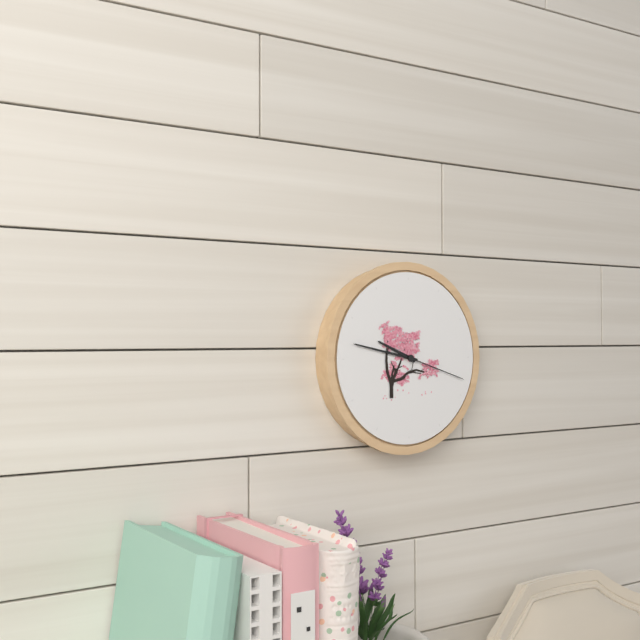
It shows 9 h 47 min 18 s
